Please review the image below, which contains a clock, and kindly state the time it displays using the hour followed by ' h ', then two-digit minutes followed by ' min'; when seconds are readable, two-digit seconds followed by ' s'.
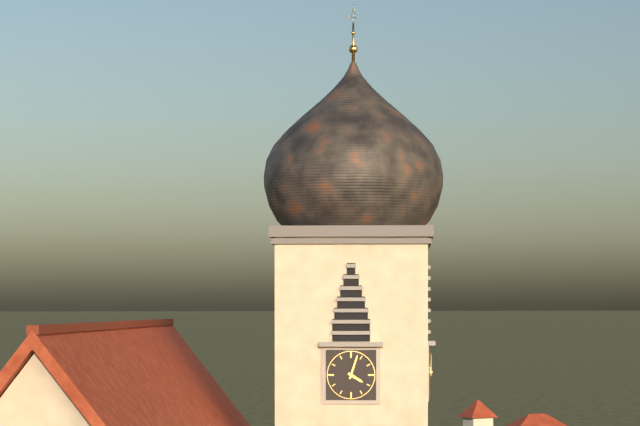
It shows 4 h 03 min
